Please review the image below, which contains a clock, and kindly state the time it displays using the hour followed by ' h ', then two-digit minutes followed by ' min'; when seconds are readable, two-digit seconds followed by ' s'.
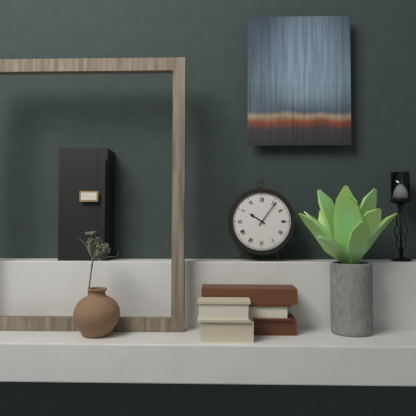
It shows 10 h 06 min
